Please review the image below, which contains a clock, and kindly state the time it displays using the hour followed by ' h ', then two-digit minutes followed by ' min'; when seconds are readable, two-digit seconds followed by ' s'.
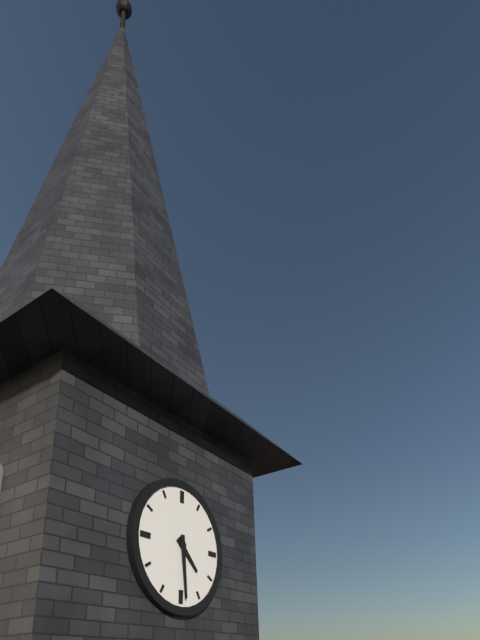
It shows 4 h 29 min
